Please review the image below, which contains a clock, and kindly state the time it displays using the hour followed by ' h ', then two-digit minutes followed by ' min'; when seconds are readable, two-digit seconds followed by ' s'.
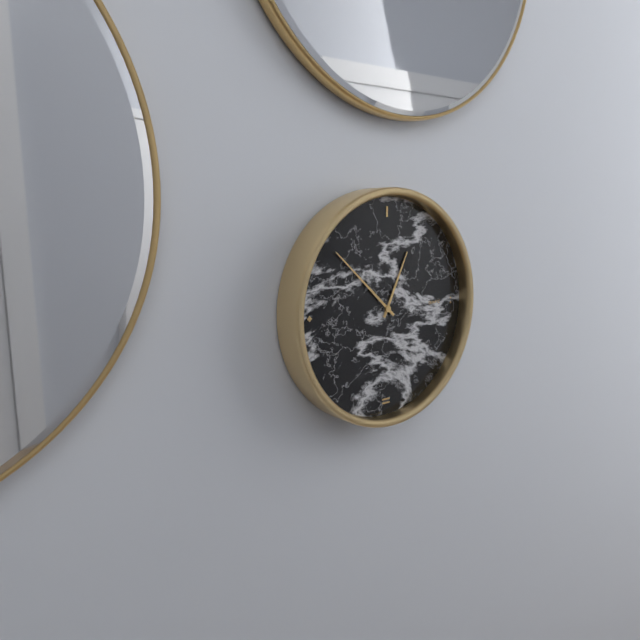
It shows 12 h 52 min
